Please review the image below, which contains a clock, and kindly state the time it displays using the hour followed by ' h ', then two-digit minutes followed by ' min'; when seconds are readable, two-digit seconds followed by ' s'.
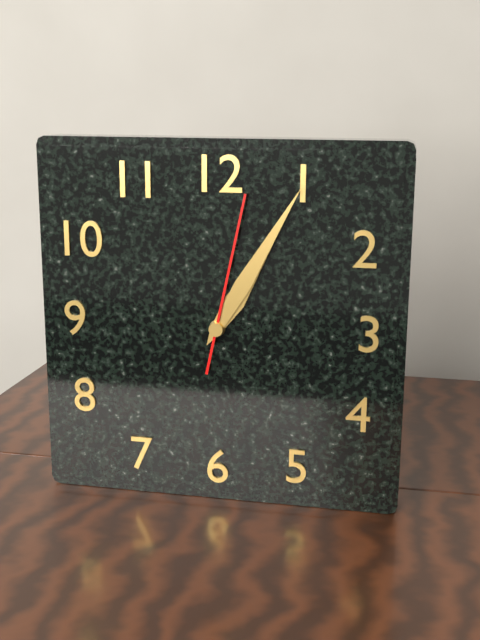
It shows 1 h 05 min 02 s
